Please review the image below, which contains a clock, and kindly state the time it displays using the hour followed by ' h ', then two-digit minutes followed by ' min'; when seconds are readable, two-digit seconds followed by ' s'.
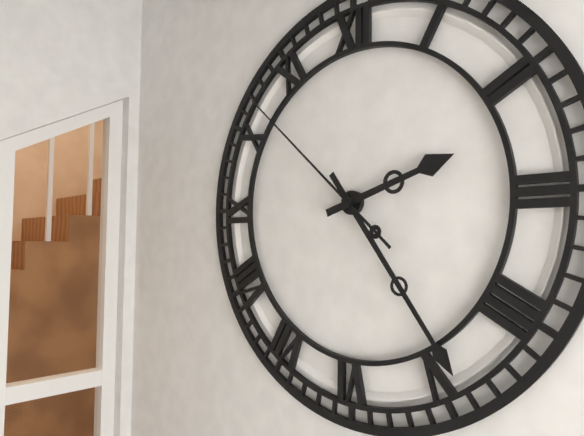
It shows 2 h 24 min 52 s
